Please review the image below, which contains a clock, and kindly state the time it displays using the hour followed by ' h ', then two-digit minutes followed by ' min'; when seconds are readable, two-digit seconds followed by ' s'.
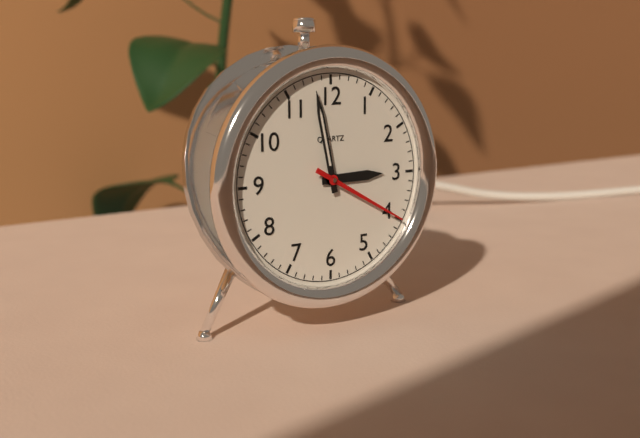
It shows 2 h 58 min 20 s
